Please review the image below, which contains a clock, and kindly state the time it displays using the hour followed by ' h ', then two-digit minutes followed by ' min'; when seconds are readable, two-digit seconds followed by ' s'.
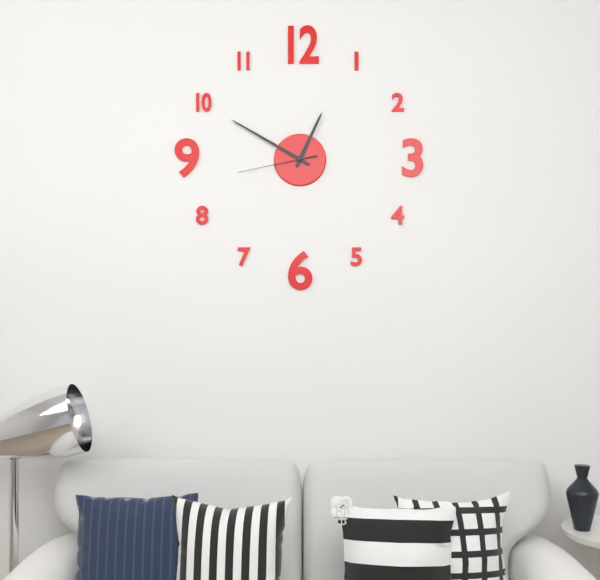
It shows 12 h 50 min 43 s
